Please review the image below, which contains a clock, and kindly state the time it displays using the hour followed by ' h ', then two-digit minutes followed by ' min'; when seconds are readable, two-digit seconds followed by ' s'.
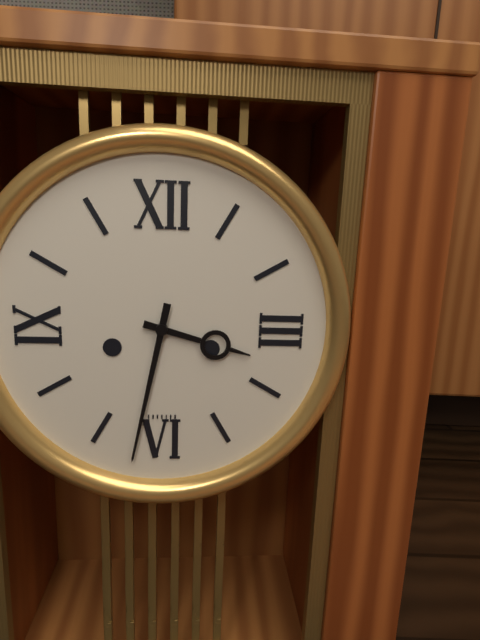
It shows 3 h 32 min
